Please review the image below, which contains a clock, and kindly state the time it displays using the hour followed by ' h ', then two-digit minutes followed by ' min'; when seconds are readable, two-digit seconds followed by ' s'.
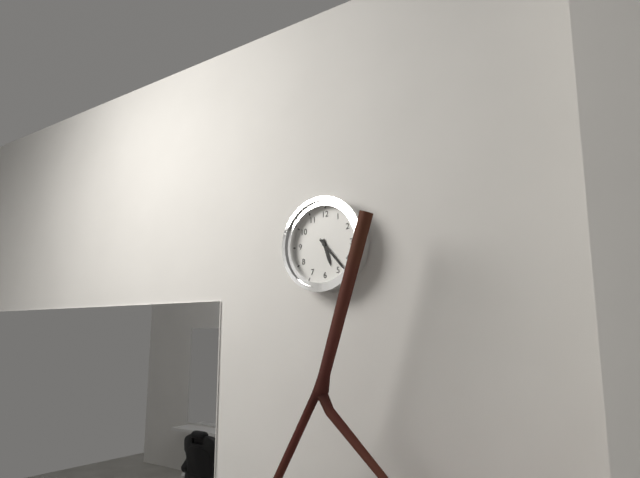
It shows 5 h 23 min
